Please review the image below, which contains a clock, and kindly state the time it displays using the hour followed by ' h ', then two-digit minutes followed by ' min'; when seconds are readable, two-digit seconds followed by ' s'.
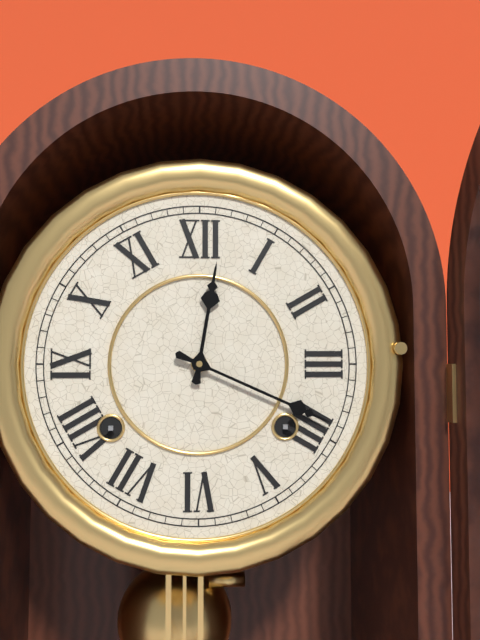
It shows 12 h 19 min
